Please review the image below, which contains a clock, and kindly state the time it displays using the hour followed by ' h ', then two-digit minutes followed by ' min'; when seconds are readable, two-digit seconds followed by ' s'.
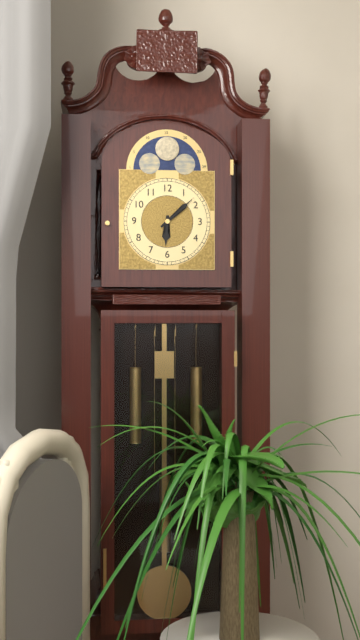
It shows 6 h 08 min
